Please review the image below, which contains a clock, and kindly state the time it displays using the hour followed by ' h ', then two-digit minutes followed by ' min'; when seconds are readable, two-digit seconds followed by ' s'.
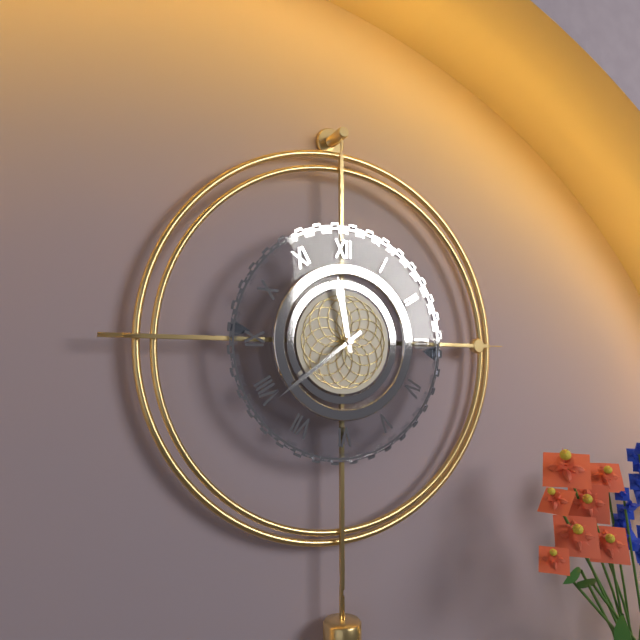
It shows 11 h 39 min
